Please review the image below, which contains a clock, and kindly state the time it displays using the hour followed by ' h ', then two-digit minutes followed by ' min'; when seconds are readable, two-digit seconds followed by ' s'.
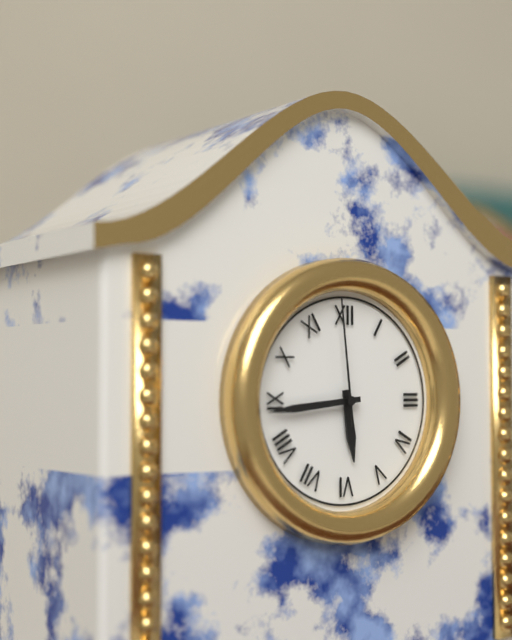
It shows 5 h 44 min 59 s
